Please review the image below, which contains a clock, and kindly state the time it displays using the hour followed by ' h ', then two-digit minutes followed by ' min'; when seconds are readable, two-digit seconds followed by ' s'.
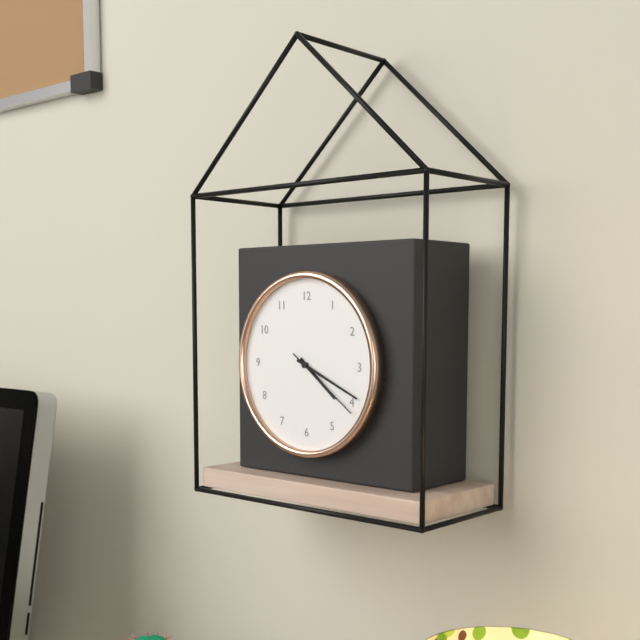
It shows 4 h 19 min 21 s
